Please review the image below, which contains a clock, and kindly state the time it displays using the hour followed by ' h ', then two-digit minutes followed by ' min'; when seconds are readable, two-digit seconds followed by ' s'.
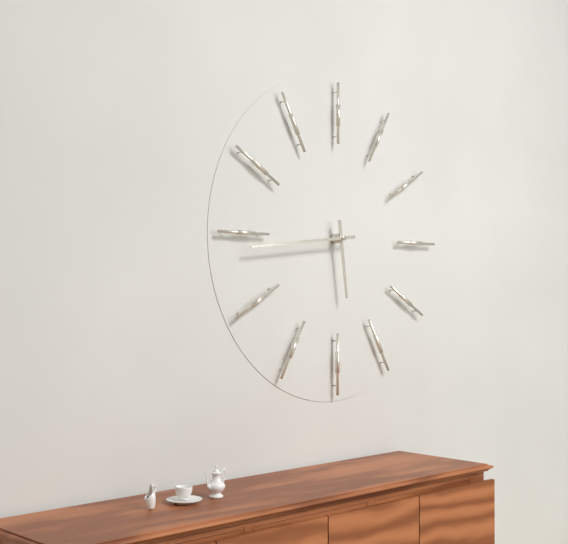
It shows 5 h 44 min
